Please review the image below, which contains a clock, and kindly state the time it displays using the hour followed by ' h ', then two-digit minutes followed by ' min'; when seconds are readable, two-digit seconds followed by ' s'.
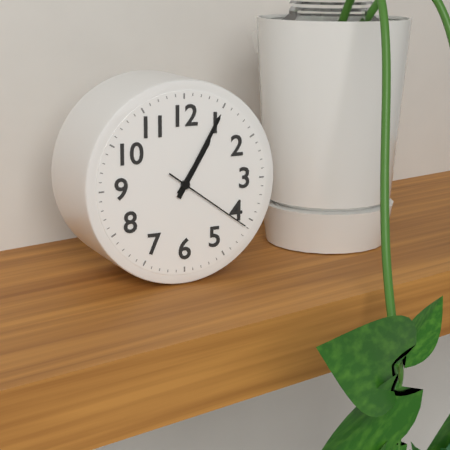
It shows 1 h 05 min 21 s
